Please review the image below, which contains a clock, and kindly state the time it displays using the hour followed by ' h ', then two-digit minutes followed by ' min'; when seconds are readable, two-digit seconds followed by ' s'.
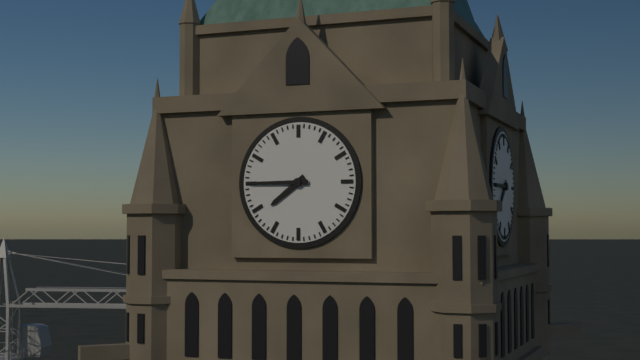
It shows 7 h 45 min
